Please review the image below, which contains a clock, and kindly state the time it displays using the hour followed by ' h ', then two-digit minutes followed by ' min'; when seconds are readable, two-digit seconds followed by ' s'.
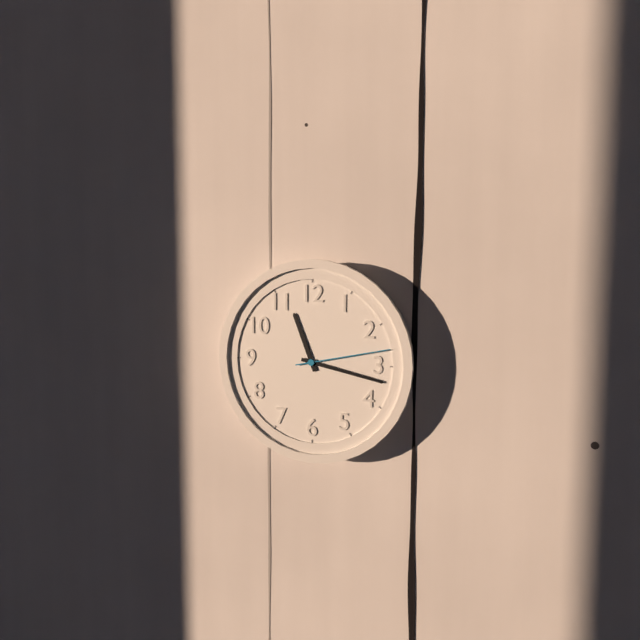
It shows 11 h 17 min 13 s
